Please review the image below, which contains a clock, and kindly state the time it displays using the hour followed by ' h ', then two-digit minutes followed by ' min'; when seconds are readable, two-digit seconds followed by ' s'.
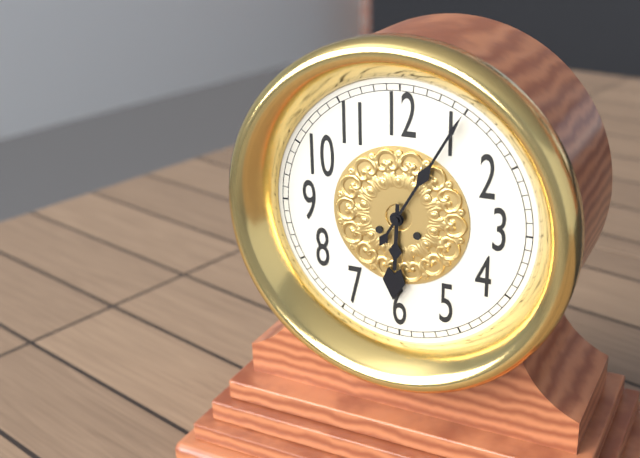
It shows 6 h 05 min
